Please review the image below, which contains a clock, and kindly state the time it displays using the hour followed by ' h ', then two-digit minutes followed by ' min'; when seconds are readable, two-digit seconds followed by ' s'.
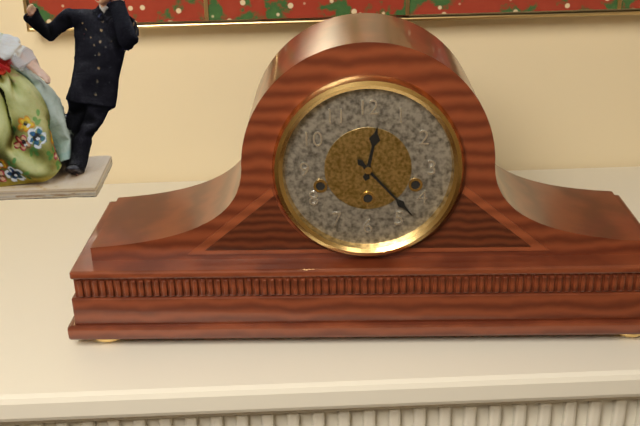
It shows 12 h 23 min
